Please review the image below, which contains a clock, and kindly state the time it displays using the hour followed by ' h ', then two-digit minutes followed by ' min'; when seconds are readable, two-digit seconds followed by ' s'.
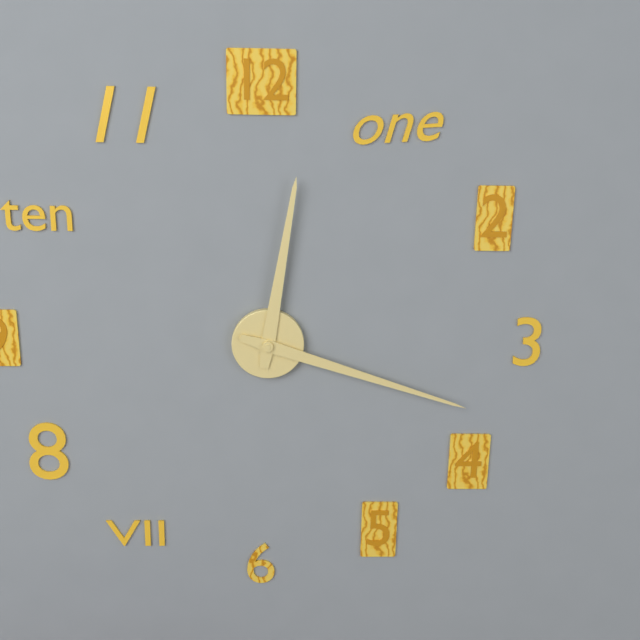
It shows 12 h 18 min
